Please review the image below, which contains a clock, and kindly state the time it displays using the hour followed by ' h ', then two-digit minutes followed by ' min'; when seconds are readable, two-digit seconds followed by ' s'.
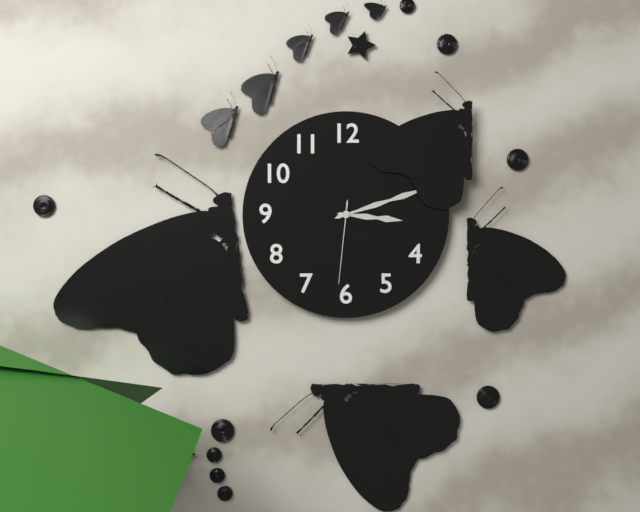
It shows 3 h 12 min 31 s
